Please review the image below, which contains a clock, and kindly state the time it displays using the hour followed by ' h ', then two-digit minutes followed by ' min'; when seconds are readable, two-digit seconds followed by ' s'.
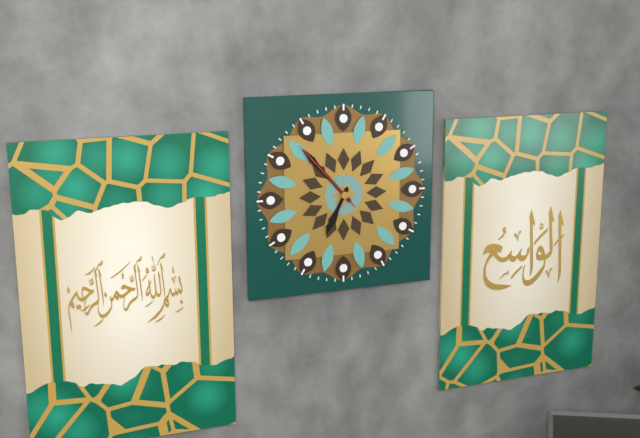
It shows 6 h 53 min 53 s
